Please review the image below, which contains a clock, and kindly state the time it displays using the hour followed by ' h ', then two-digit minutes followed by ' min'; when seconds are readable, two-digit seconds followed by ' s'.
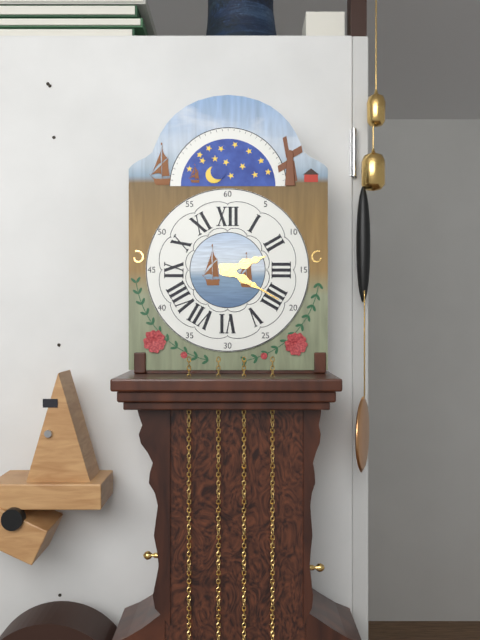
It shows 2 h 20 min
